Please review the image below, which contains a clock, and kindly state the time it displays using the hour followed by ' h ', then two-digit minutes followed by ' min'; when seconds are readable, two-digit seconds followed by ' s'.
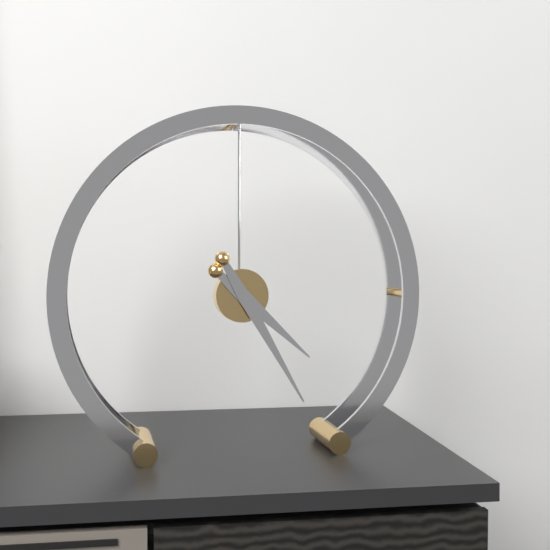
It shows 4 h 25 min
